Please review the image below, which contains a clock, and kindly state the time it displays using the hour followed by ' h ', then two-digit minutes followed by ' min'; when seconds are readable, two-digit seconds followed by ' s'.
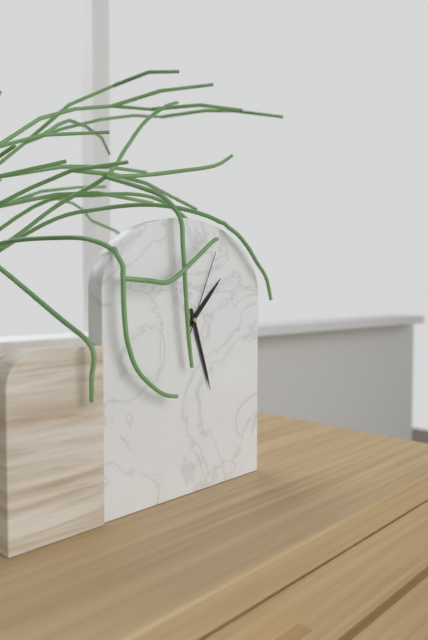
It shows 1 h 27 min 04 s
